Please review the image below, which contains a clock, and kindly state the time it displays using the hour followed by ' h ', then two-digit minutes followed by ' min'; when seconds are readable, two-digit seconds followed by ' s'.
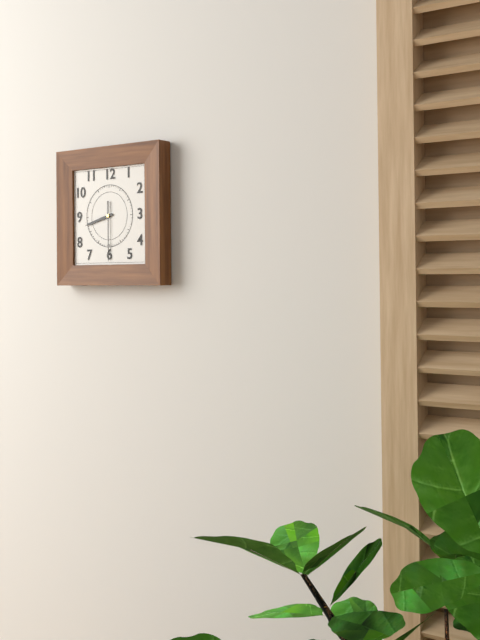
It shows 8 h 30 min
